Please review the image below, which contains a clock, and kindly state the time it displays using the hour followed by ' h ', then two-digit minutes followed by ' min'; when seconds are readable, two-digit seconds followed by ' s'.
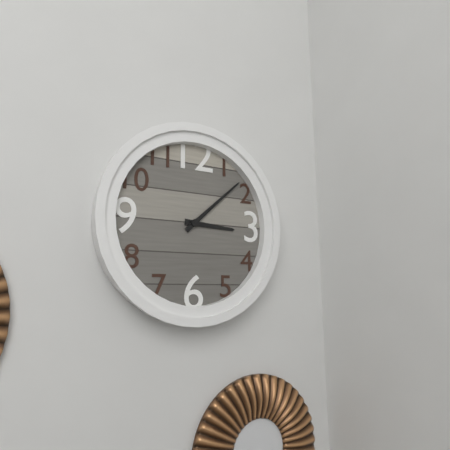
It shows 3 h 08 min
